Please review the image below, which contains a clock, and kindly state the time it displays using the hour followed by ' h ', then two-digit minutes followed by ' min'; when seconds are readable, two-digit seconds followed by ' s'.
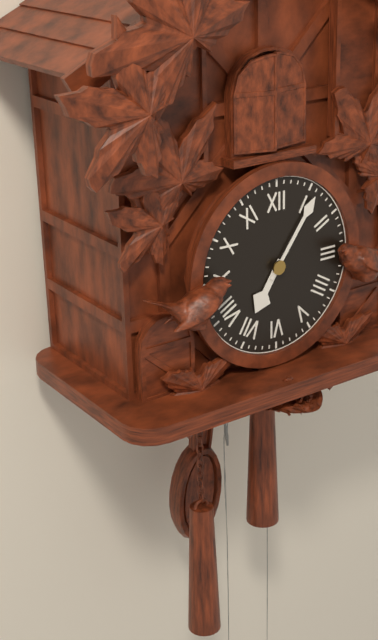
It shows 7 h 06 min
